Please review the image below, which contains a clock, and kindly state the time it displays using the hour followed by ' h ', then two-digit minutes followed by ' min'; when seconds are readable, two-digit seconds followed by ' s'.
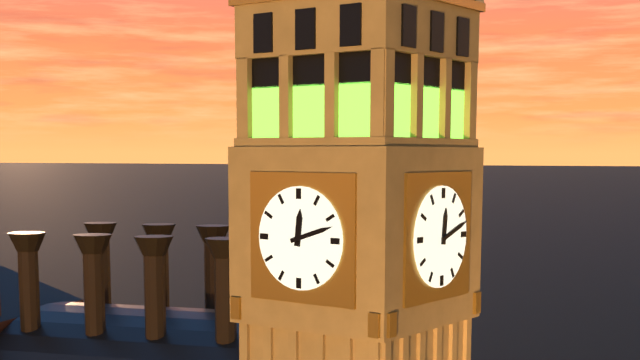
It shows 12 h 12 min
